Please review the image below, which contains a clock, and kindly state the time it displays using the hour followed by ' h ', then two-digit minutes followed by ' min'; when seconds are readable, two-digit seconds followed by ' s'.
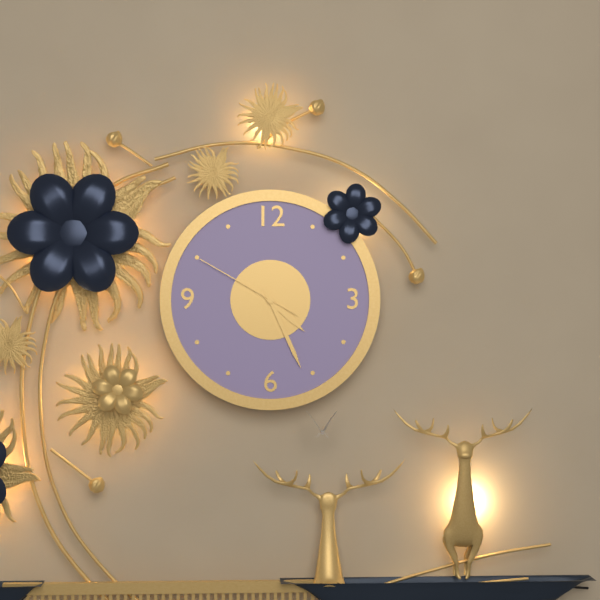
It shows 4 h 26 min 50 s
